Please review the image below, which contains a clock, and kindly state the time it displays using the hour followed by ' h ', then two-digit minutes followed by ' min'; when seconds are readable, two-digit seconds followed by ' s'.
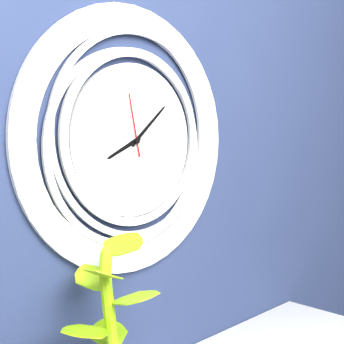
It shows 8 h 08 min 58 s
